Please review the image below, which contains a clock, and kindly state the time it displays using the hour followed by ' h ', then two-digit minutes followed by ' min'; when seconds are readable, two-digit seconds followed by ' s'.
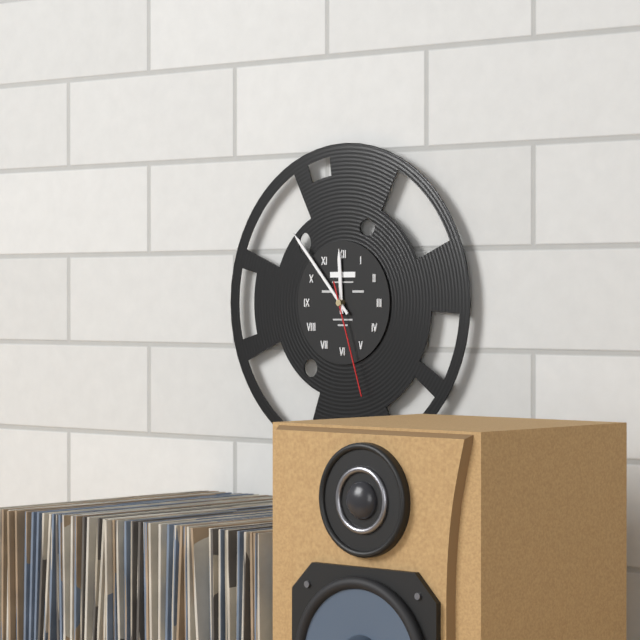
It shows 11 h 53 min 27 s
